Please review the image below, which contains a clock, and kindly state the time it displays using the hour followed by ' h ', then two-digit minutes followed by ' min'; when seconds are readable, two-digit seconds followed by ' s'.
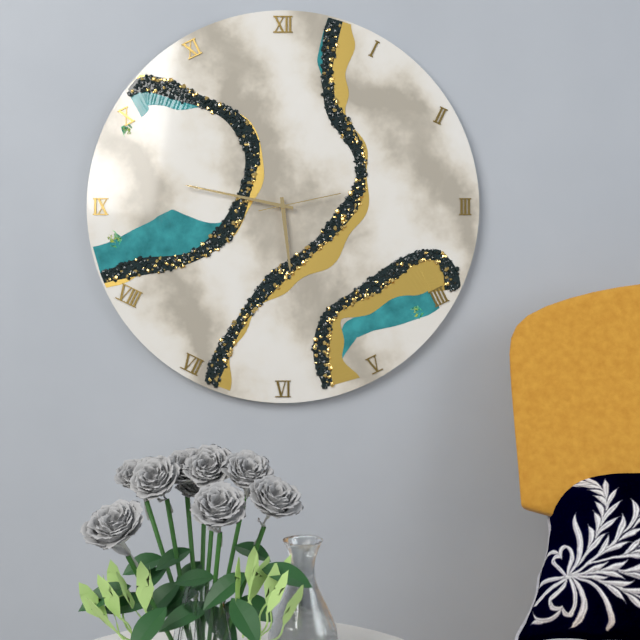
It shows 5 h 47 min 13 s
